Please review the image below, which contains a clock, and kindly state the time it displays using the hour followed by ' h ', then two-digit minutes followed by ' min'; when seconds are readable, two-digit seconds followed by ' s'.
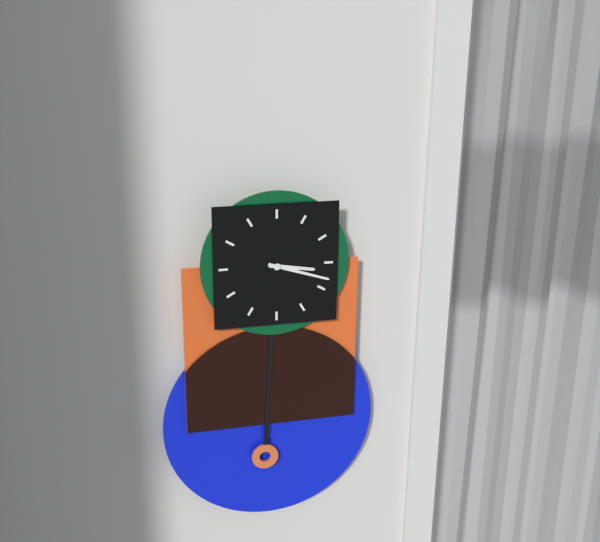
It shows 3 h 18 min
